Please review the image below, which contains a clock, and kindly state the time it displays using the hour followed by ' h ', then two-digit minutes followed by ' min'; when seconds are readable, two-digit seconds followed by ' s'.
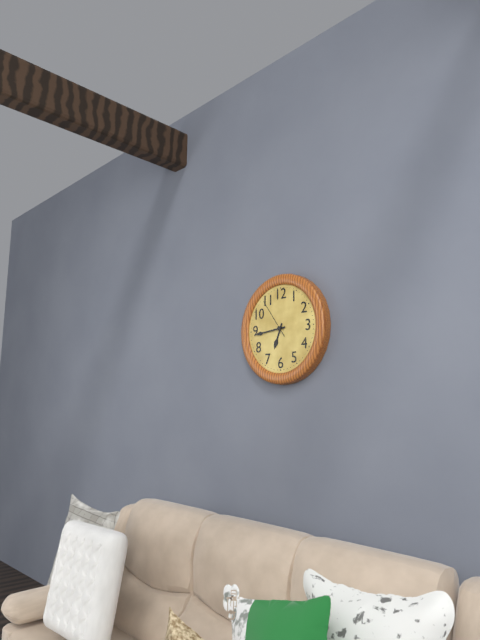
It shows 6 h 44 min
